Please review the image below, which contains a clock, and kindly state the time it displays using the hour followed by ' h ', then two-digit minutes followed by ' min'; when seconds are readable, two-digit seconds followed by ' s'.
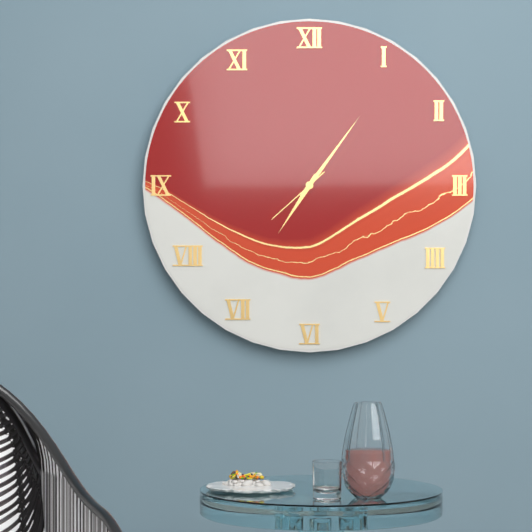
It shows 7 h 06 min 38 s
